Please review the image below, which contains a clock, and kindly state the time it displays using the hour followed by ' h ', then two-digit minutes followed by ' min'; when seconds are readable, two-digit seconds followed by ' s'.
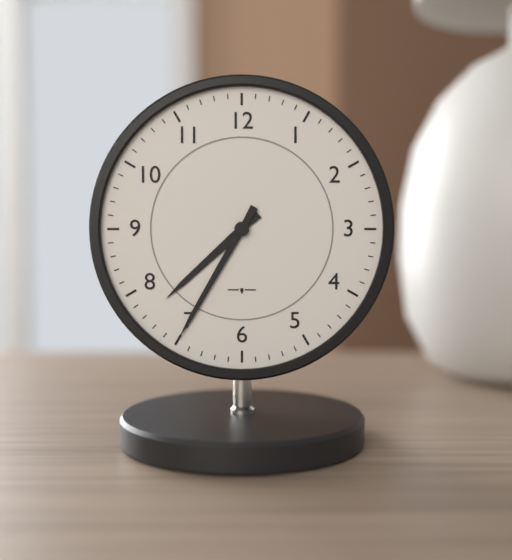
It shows 7 h 35 min
